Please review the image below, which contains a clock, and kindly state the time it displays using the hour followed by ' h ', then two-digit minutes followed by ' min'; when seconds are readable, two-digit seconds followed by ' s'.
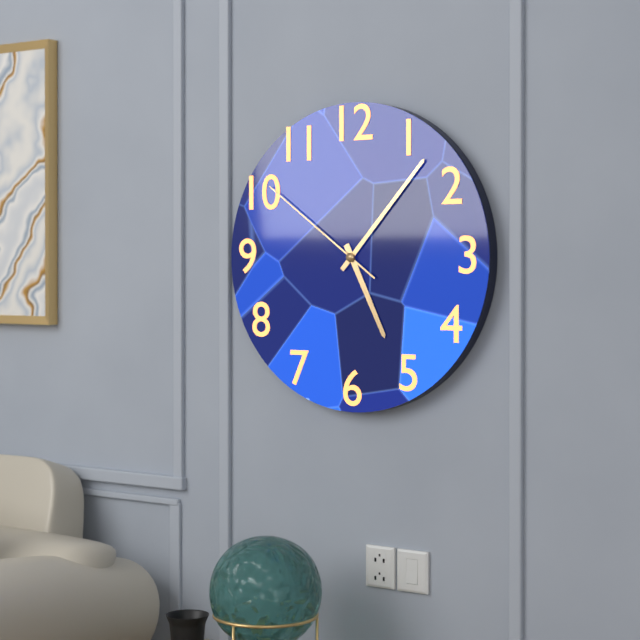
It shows 5 h 07 min 51 s
